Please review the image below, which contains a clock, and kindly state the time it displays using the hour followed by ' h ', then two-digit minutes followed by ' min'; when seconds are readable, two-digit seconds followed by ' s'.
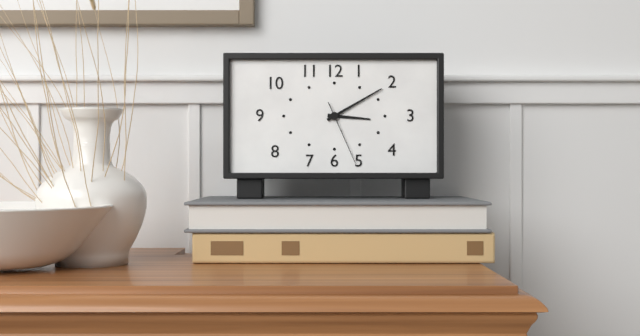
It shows 3 h 10 min 26 s
